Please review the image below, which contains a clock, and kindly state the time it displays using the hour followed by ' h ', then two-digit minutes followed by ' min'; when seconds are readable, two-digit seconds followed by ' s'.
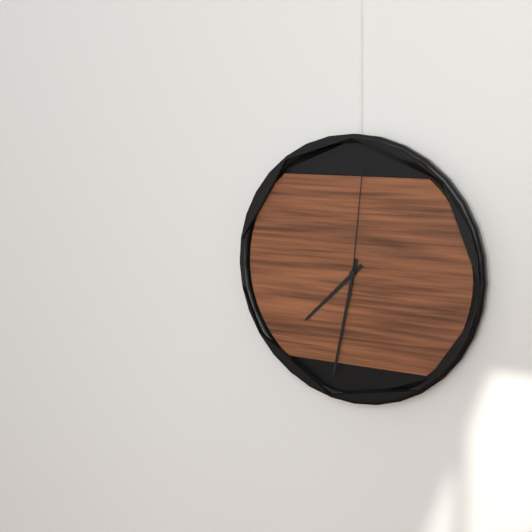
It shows 7 h 32 min 01 s
